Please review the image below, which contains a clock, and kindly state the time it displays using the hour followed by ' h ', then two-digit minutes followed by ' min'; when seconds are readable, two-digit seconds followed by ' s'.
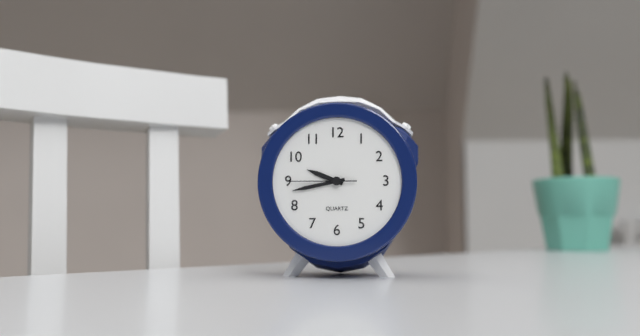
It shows 9 h 43 min 45 s
